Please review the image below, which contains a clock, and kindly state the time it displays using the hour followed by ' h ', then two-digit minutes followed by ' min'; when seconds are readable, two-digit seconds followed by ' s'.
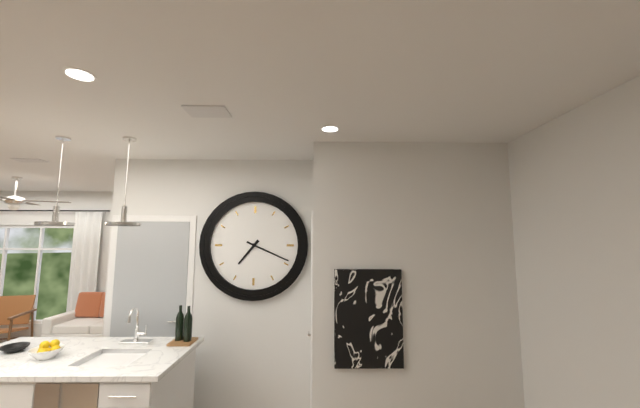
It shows 7 h 19 min
